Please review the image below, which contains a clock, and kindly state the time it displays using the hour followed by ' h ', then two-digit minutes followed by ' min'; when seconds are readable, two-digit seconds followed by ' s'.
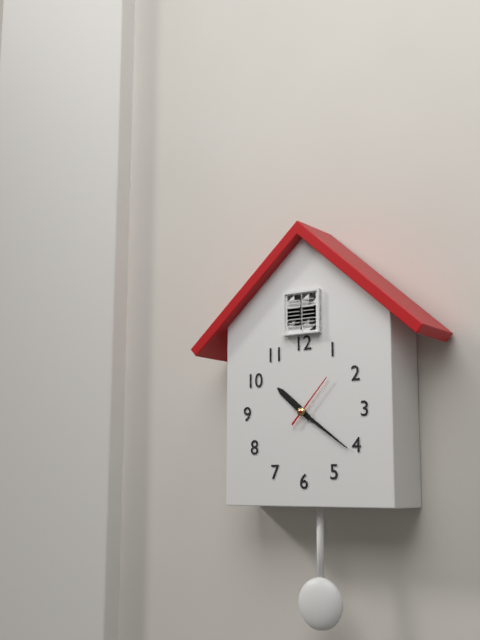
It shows 10 h 21 min 07 s
